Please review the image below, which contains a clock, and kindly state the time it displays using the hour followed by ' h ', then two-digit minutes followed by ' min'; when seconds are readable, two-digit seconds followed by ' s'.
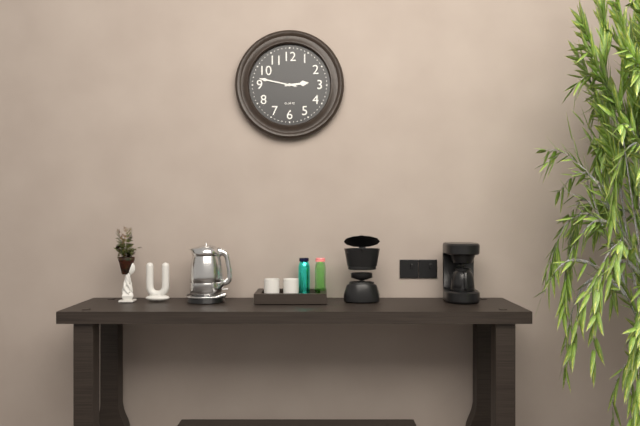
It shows 2 h 47 min
